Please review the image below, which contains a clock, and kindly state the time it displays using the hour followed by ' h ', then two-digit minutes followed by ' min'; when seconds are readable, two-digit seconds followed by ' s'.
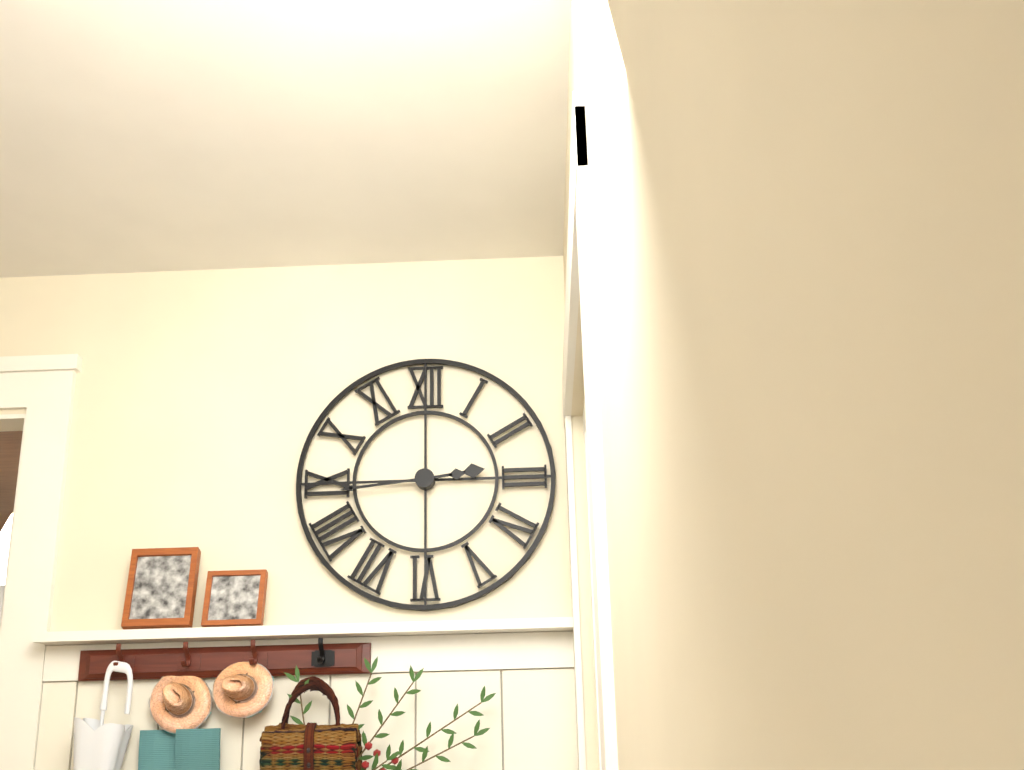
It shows 2 h 44 min
